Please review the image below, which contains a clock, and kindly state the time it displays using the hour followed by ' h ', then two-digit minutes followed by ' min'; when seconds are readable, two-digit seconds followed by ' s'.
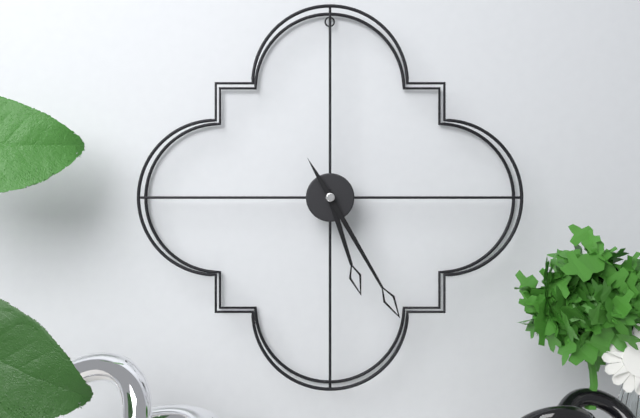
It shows 5 h 25 min
